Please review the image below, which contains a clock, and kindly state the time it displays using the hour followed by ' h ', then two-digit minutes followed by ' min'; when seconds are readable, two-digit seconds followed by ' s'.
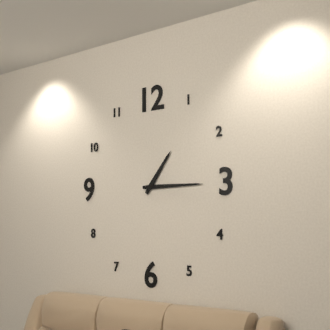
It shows 1 h 15 min
